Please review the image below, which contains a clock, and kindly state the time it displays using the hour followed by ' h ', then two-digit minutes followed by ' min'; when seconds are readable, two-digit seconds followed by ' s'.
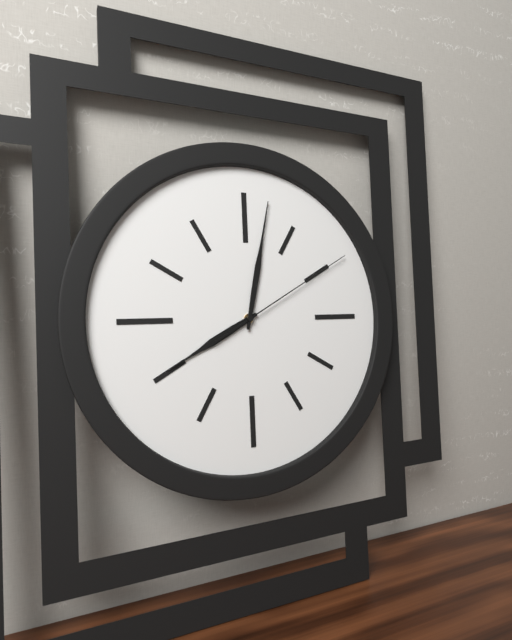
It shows 8 h 02 min 10 s
